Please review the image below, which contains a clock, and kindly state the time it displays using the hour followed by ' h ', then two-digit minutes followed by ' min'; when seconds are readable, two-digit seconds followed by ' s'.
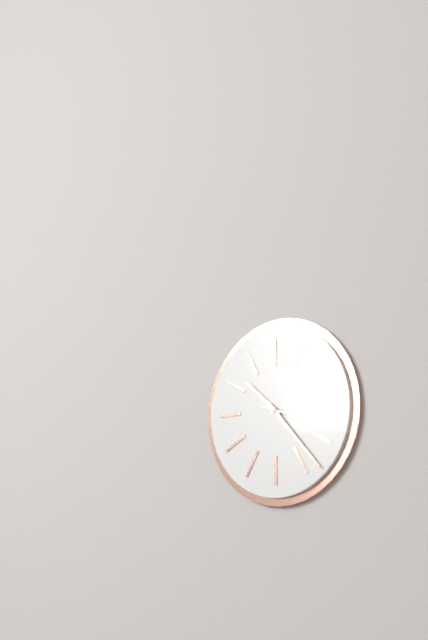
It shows 10 h 23 min 18 s
